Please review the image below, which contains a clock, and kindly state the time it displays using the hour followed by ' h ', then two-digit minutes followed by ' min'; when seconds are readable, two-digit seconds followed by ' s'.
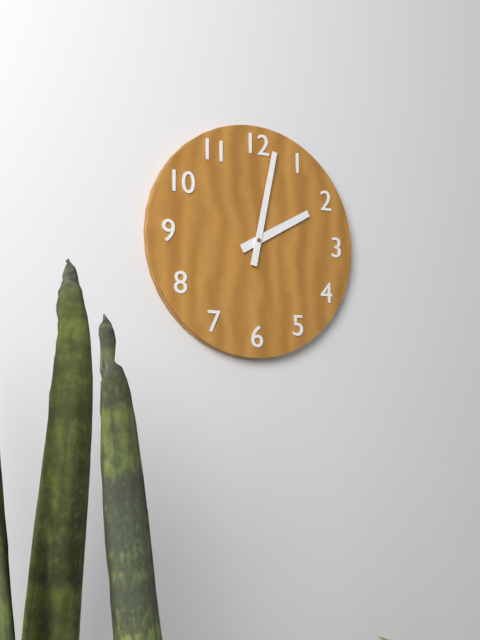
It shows 2 h 02 min
